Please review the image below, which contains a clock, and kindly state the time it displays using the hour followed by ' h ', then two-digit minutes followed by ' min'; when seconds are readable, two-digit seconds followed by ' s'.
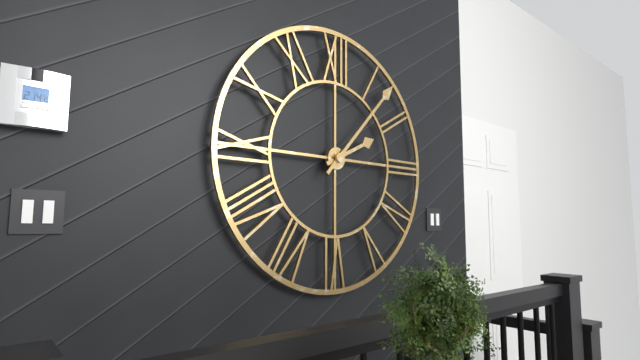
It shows 2 h 07 min
